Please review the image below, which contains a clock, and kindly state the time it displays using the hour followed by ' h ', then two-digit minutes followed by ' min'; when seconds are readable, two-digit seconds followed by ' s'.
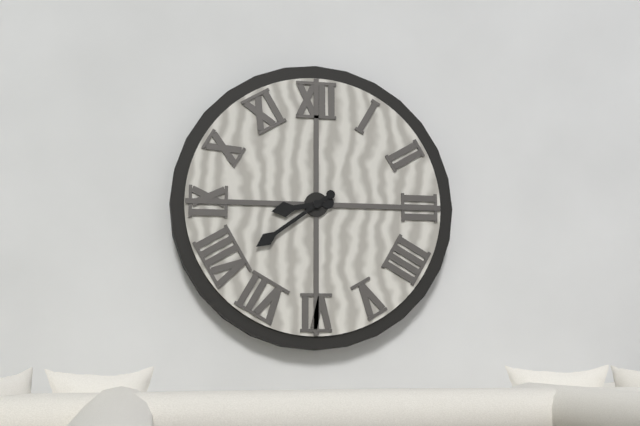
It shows 8 h 39 min
